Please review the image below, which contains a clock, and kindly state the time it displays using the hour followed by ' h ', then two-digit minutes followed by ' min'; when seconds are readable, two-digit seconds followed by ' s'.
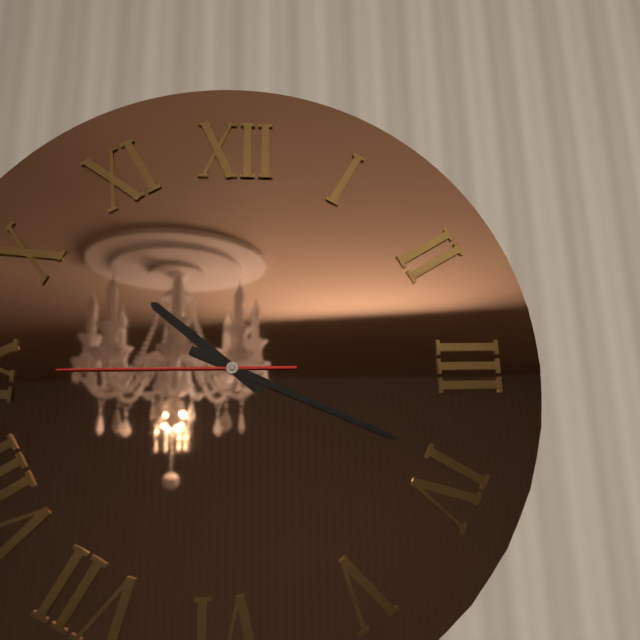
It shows 10 h 19 min 45 s
